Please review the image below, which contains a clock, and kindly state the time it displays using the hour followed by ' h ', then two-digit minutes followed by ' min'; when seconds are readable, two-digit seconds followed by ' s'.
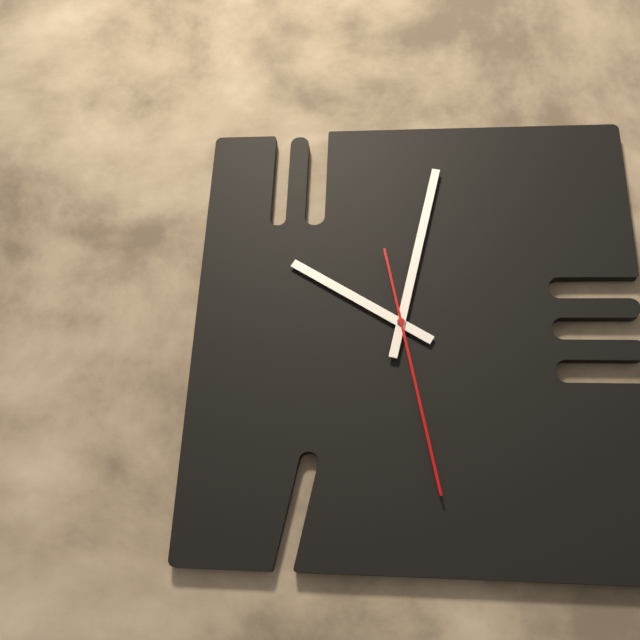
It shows 10 h 02 min 28 s
